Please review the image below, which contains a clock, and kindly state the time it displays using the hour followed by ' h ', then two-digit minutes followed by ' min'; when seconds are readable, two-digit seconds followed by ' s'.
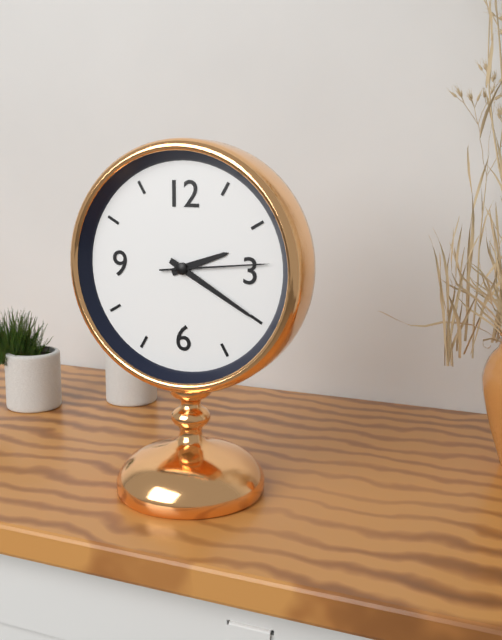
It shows 2 h 20 min 14 s
